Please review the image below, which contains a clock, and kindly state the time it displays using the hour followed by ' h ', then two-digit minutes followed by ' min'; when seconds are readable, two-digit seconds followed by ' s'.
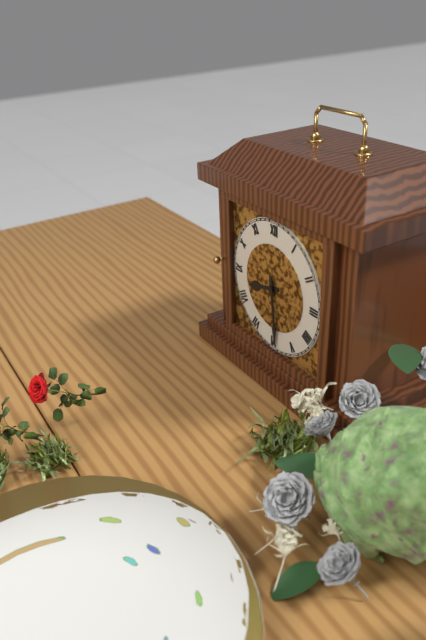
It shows 8 h 29 min
